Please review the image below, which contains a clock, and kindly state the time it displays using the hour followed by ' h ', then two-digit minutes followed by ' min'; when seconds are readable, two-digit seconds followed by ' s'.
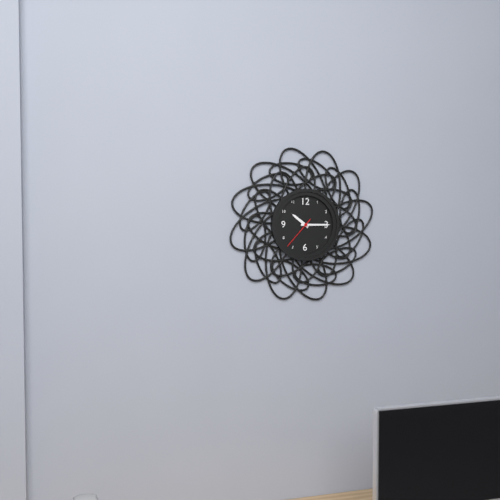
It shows 10 h 15 min
